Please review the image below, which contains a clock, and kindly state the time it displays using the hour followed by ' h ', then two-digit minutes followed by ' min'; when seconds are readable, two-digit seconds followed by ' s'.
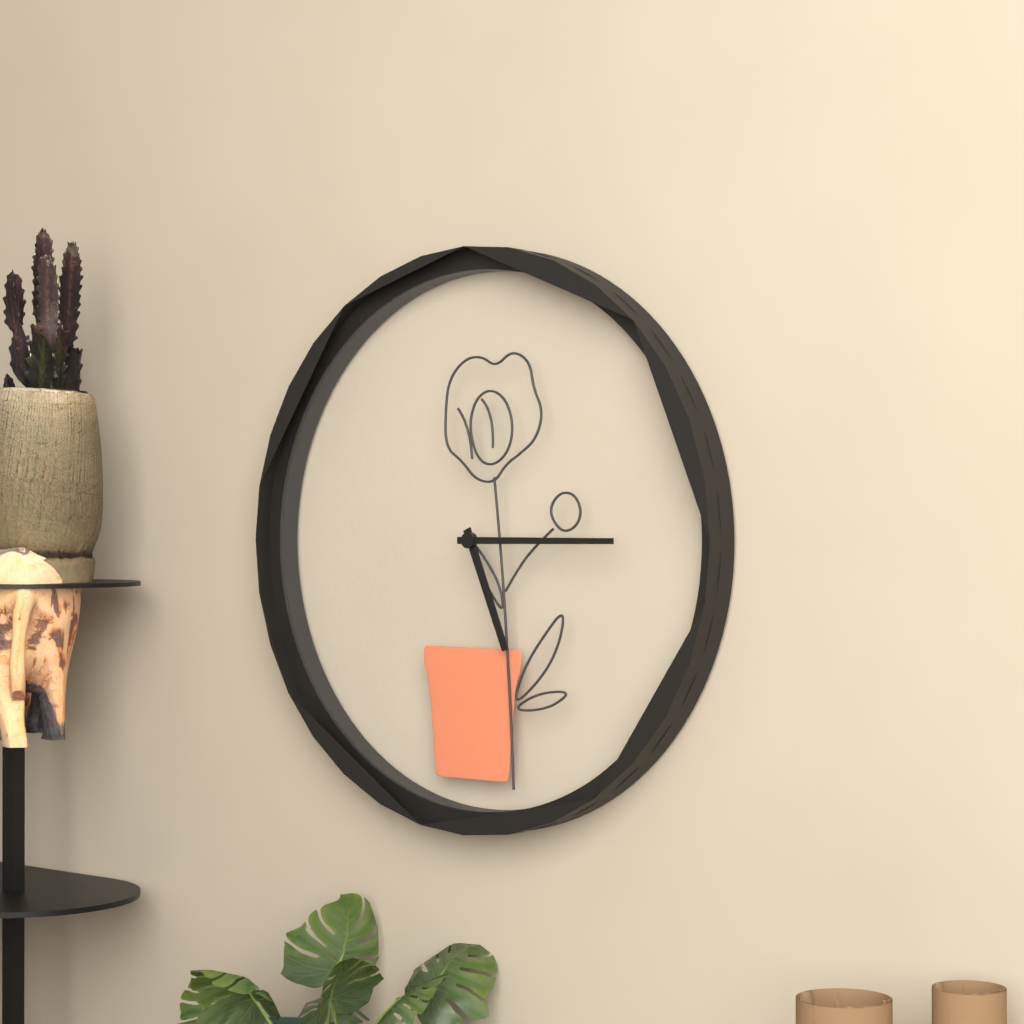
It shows 5 h 15 min
